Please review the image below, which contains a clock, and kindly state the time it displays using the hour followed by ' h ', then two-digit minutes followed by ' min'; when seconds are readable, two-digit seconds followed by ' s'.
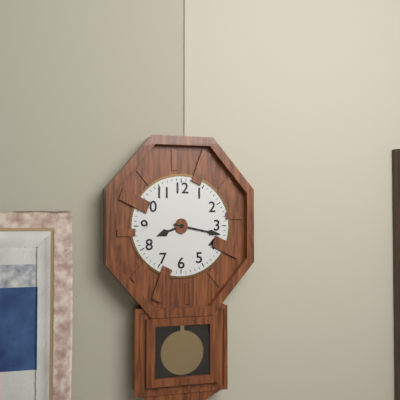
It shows 8 h 17 min
